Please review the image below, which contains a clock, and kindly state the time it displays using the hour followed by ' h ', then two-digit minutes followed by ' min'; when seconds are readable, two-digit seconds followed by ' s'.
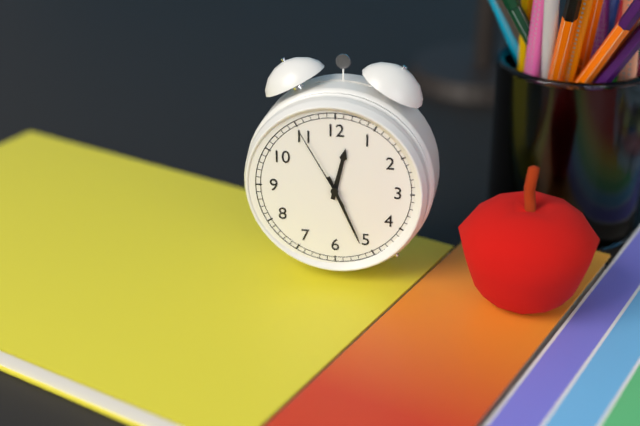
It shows 12 h 26 min 55 s
